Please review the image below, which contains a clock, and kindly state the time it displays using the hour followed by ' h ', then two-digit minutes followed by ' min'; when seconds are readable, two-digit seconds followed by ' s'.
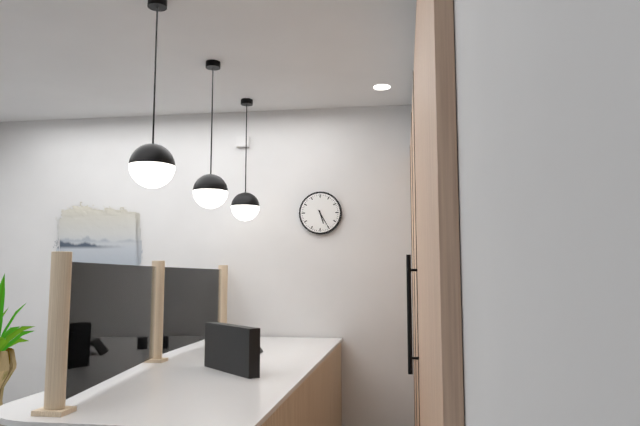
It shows 5 h 25 min
